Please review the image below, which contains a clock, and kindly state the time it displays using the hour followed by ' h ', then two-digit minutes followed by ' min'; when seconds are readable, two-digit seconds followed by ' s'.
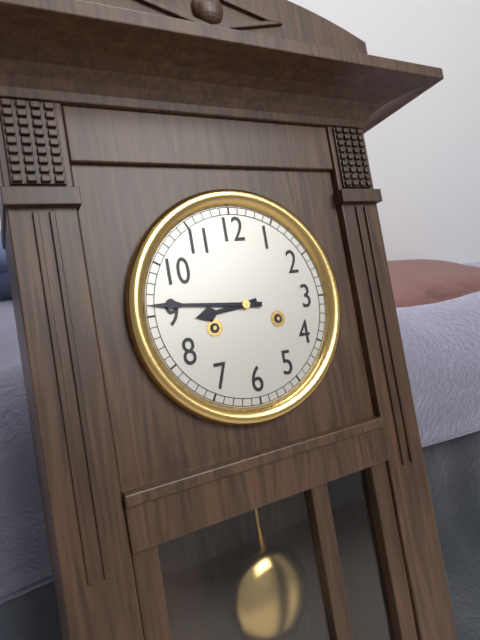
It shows 8 h 46 min
